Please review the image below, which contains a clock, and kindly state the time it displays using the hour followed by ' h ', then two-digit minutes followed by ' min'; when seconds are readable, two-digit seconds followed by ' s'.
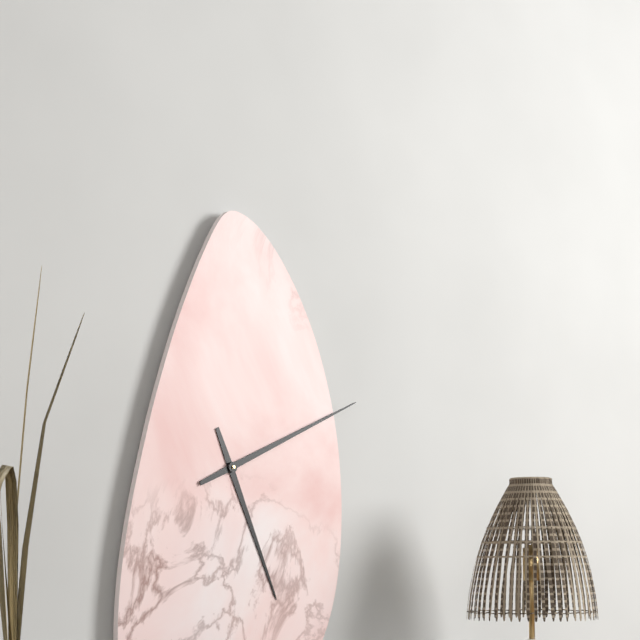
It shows 5 h 11 min
